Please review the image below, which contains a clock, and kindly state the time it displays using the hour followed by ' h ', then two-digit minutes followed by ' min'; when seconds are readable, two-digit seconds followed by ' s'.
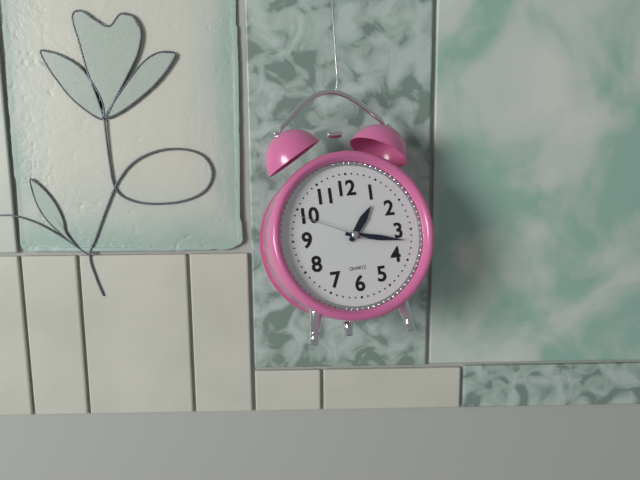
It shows 1 h 17 min 49 s
